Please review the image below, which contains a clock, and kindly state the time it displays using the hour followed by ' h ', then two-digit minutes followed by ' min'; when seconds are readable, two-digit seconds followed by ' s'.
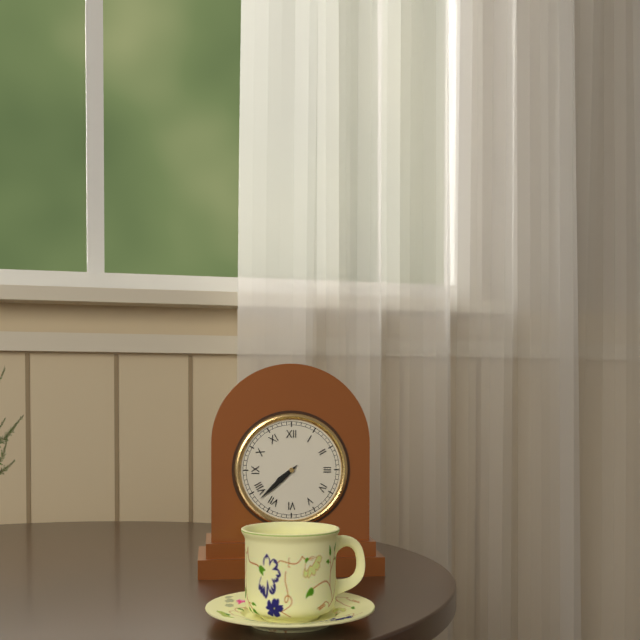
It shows 7 h 38 min
